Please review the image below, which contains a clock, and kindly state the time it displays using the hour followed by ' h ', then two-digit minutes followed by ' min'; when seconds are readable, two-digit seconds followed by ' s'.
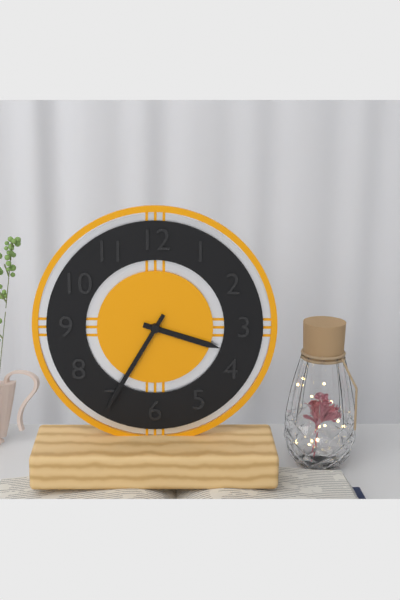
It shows 3 h 35 min
